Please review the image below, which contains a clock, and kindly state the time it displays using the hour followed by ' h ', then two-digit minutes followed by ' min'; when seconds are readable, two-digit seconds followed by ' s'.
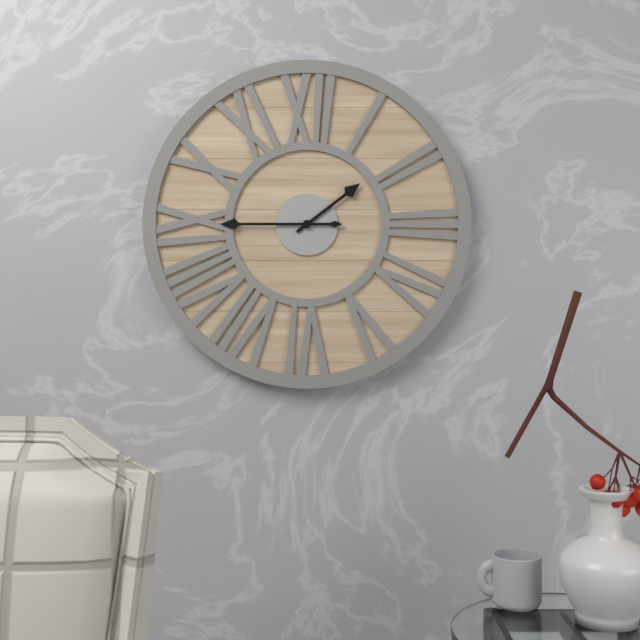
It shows 1 h 45 min
